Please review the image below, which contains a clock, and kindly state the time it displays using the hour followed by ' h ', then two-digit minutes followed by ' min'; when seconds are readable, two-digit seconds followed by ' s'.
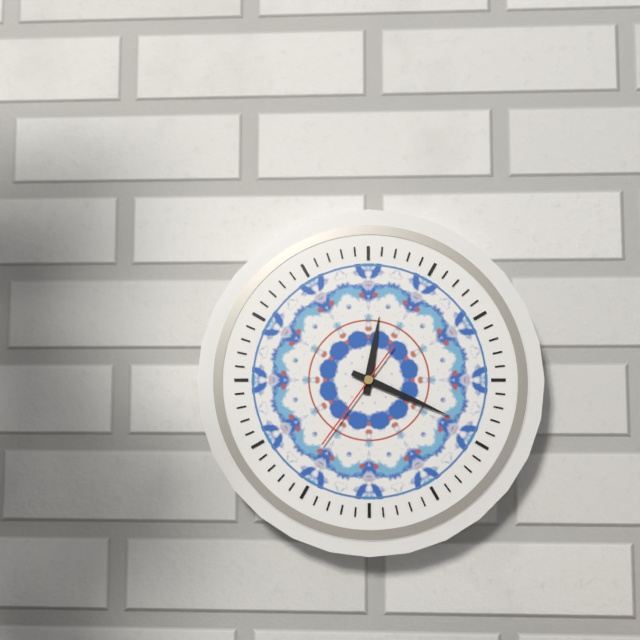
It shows 12 h 19 min 36 s
